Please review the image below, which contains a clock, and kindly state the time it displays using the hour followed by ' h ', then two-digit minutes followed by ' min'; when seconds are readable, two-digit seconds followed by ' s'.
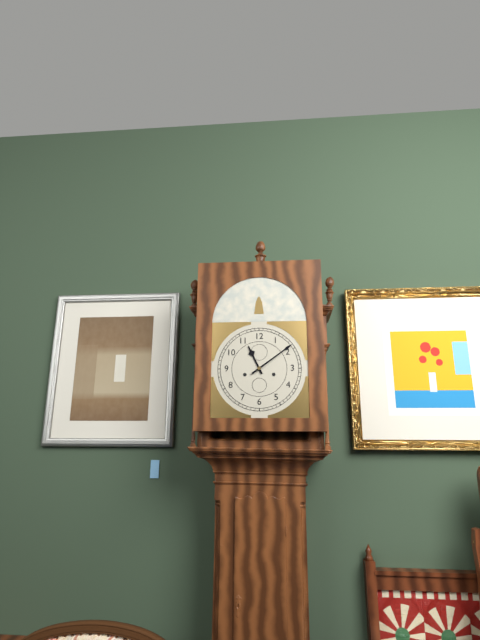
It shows 11 h 09 min
